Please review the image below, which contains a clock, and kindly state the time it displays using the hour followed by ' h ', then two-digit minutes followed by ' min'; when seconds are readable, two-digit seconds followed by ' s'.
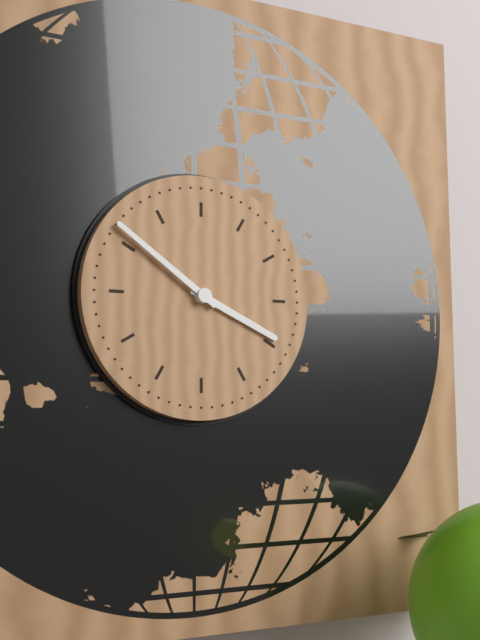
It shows 3 h 51 min
